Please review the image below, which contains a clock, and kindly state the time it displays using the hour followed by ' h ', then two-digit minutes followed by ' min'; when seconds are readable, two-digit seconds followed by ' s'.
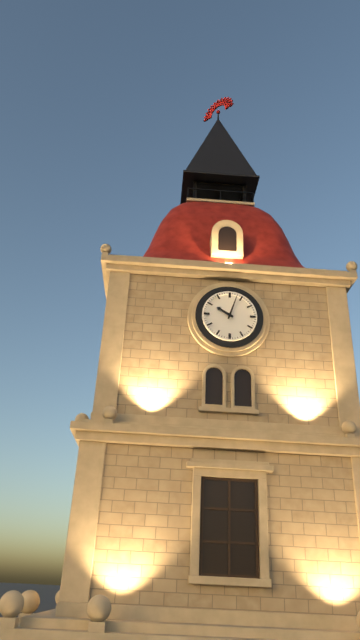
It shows 10 h 03 min
